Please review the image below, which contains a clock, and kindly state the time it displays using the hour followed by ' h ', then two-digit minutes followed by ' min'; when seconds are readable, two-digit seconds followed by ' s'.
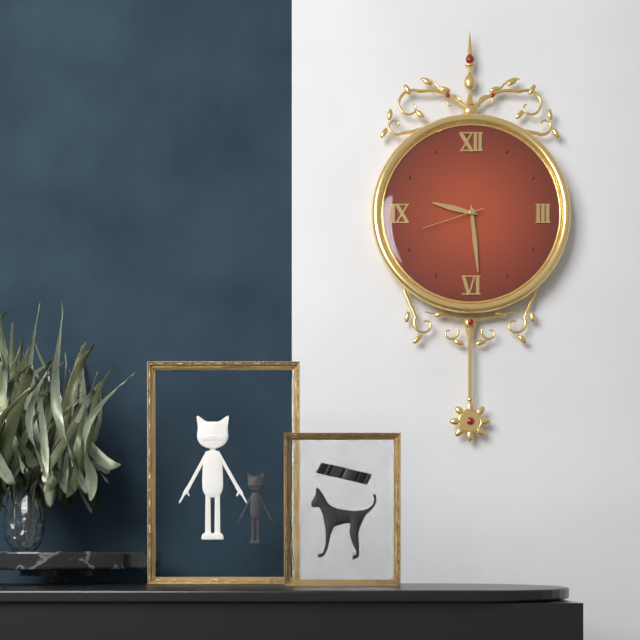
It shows 9 h 29 min 42 s
